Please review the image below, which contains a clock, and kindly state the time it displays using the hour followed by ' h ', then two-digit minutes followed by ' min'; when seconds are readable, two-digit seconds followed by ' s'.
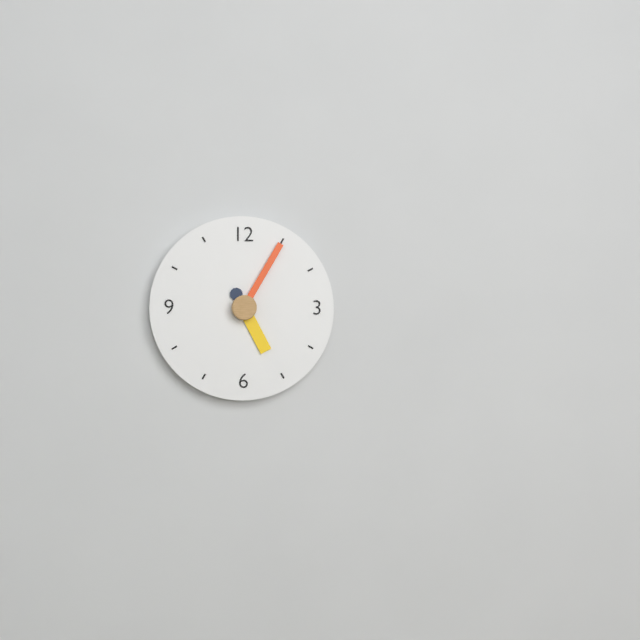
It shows 5 h 05 min
